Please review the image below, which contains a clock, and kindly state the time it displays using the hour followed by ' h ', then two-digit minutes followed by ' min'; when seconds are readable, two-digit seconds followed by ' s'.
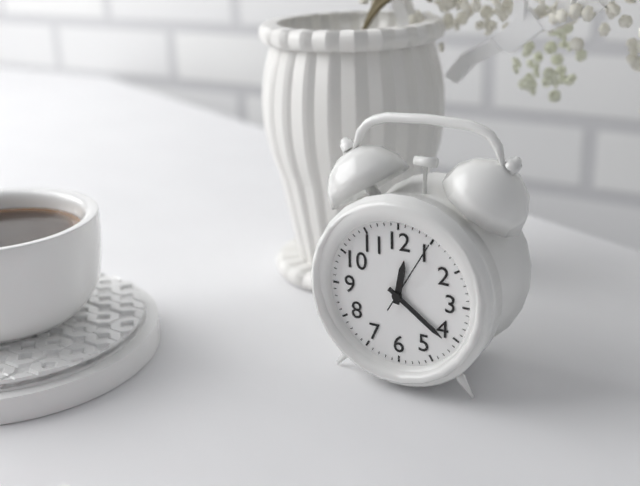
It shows 12 h 21 min 05 s
